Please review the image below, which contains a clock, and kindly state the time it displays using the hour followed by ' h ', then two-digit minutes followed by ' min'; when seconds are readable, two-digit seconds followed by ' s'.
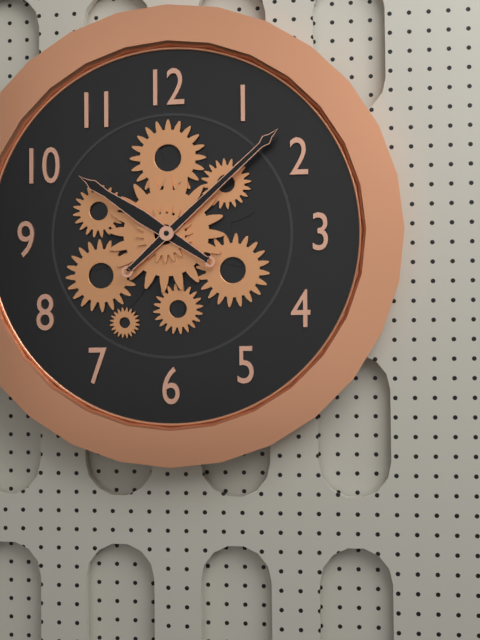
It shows 10 h 08 min
